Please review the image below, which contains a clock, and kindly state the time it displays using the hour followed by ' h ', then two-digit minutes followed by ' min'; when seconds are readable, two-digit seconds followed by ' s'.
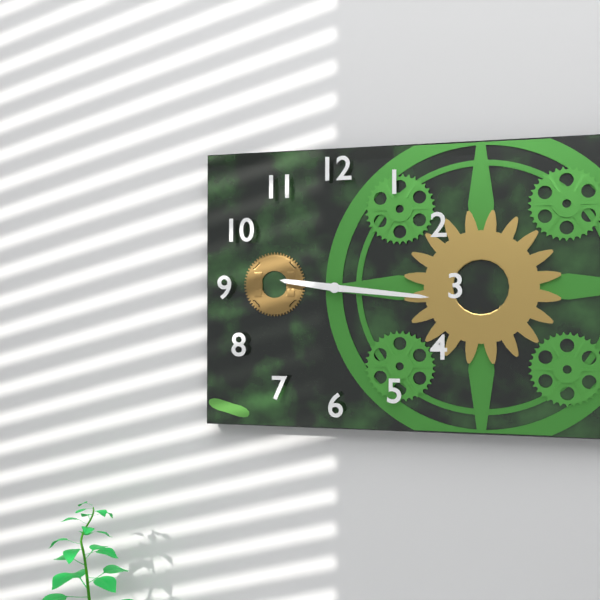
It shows 9 h 16 min
